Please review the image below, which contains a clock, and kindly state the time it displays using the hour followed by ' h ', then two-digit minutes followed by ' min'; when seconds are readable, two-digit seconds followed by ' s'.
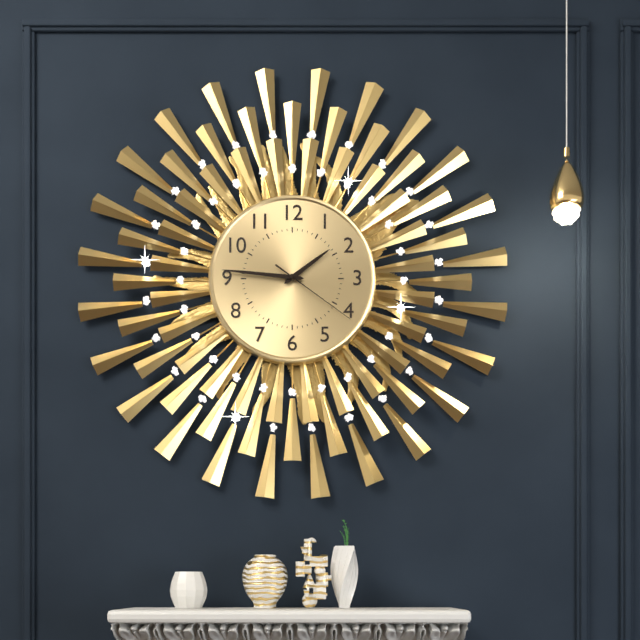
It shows 1 h 46 min 21 s
